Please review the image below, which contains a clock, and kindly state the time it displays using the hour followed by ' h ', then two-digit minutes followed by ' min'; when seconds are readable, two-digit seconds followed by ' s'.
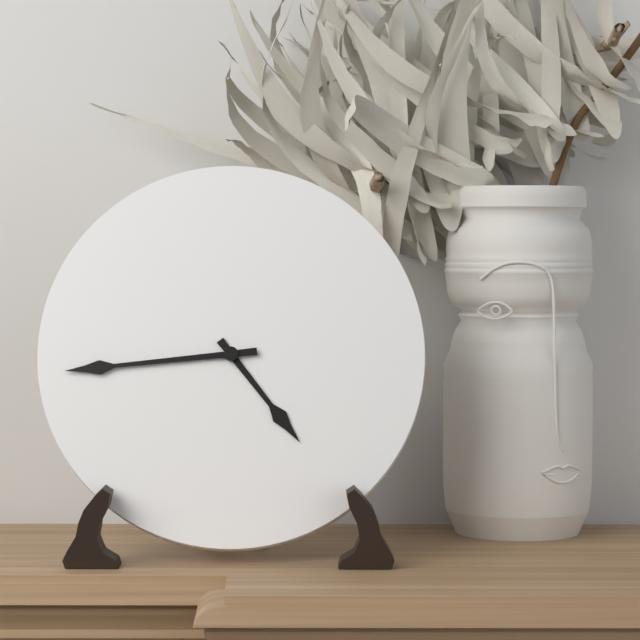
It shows 4 h 44 min
